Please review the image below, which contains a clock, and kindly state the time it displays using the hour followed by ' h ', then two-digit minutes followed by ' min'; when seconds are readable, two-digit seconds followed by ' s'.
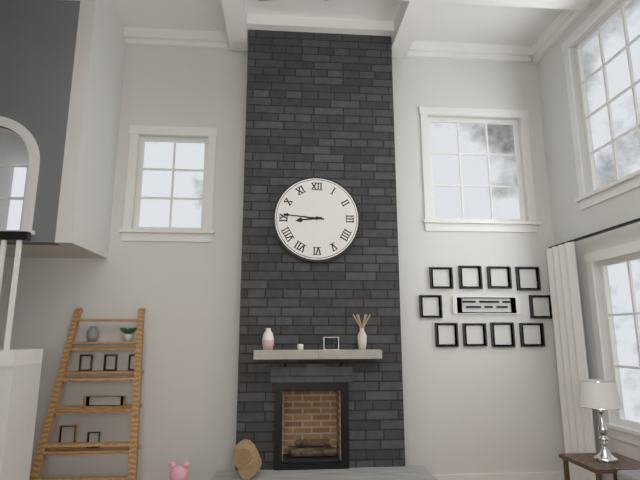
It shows 8 h 46 min
